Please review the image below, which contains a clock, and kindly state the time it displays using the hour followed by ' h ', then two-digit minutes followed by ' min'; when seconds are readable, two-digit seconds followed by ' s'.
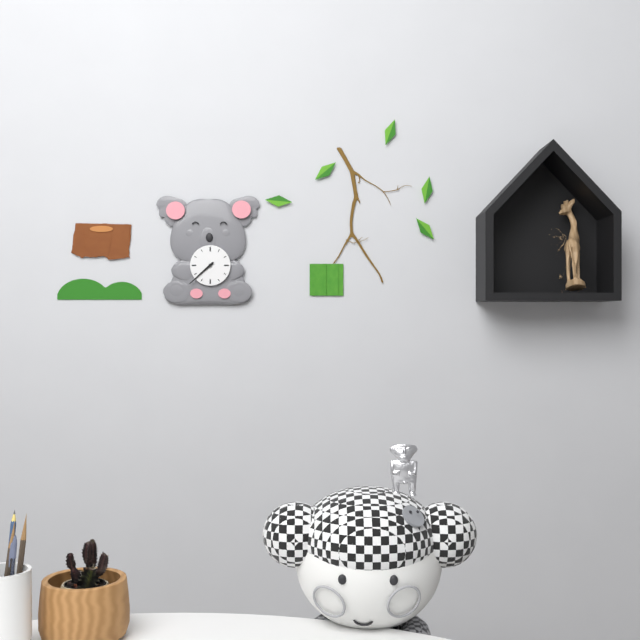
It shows 7 h 38 min
